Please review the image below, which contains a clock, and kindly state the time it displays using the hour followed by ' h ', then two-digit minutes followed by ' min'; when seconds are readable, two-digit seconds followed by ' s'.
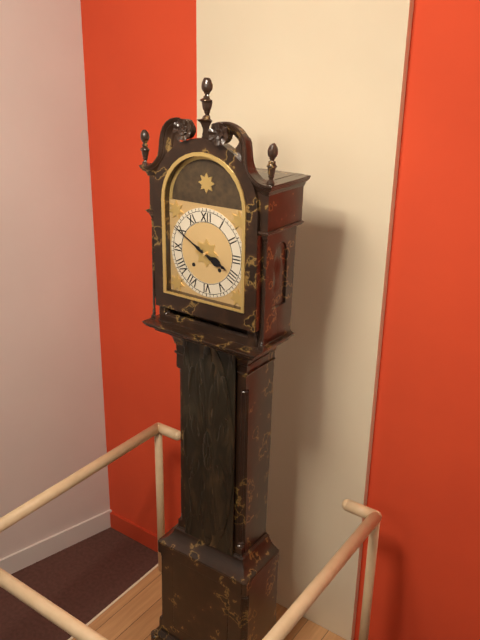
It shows 3 h 50 min
